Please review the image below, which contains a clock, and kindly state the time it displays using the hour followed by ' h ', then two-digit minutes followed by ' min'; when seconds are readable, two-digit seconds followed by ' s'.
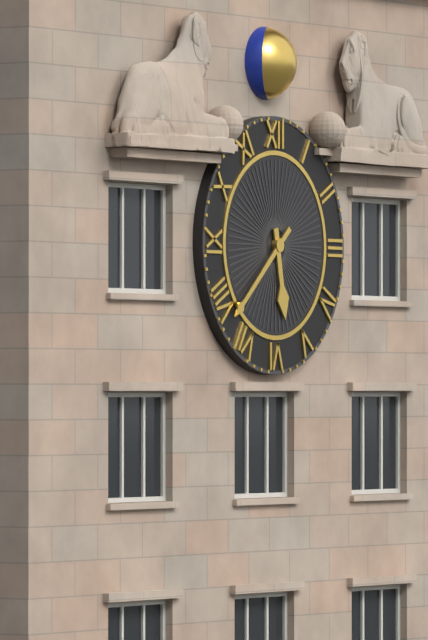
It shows 5 h 38 min
